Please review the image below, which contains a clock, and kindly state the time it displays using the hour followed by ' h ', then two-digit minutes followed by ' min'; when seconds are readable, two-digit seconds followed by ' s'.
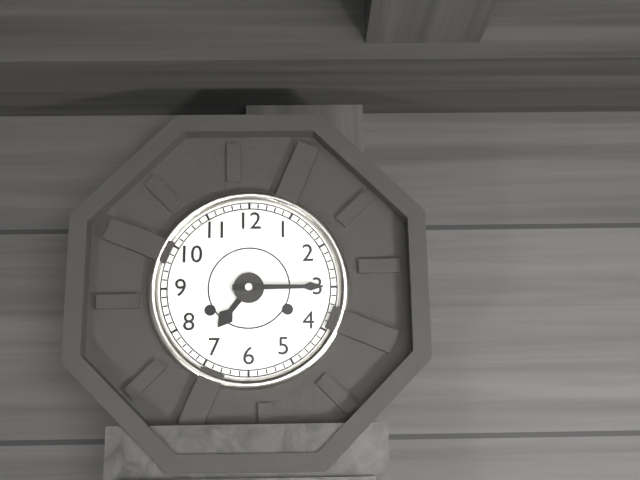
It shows 7 h 15 min
